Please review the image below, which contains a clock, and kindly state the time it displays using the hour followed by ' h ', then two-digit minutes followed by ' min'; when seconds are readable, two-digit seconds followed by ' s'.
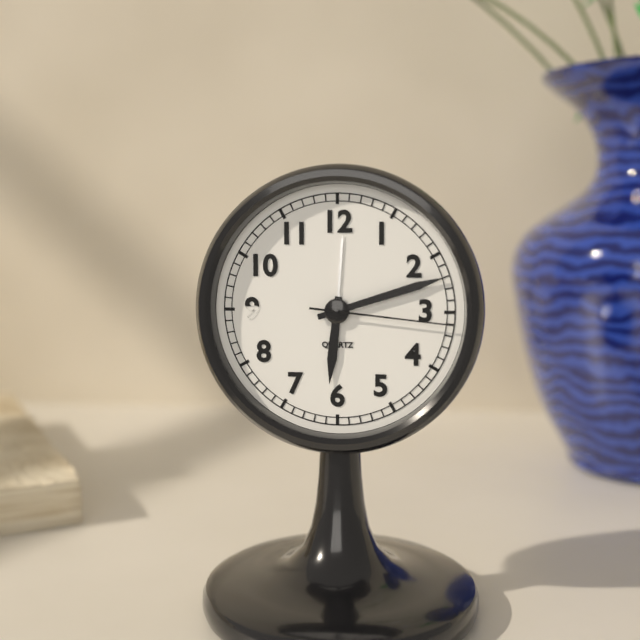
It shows 6 h 12 min 16 s
